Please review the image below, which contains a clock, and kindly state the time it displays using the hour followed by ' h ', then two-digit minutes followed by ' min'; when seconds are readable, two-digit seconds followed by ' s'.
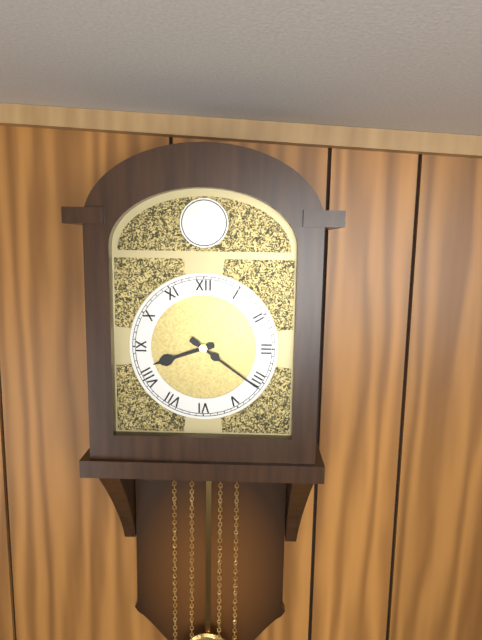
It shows 8 h 21 min
